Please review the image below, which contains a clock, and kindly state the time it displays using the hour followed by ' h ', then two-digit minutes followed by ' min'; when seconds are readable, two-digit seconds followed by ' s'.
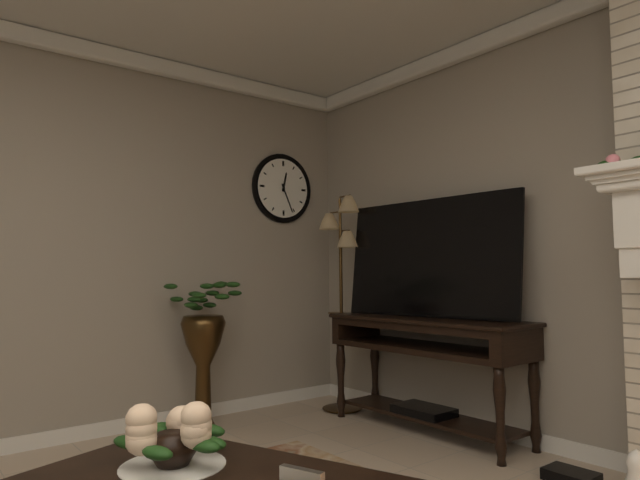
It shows 12 h 26 min
